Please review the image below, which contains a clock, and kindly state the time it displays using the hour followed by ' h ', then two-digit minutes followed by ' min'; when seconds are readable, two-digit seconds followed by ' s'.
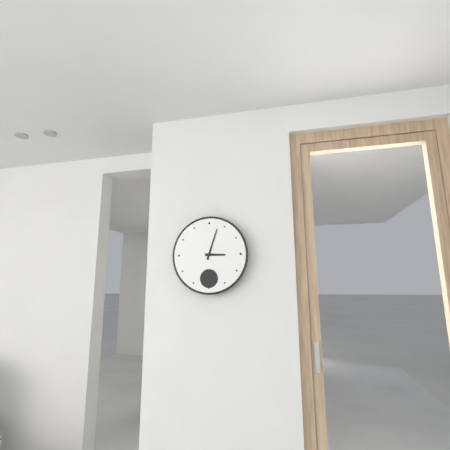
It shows 3 h 03 min
